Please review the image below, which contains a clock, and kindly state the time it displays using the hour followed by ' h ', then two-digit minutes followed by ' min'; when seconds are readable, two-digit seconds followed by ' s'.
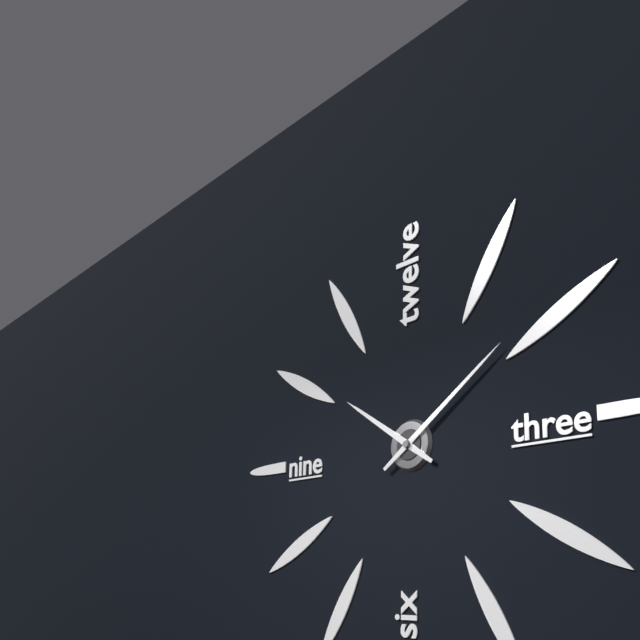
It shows 10 h 09 min
